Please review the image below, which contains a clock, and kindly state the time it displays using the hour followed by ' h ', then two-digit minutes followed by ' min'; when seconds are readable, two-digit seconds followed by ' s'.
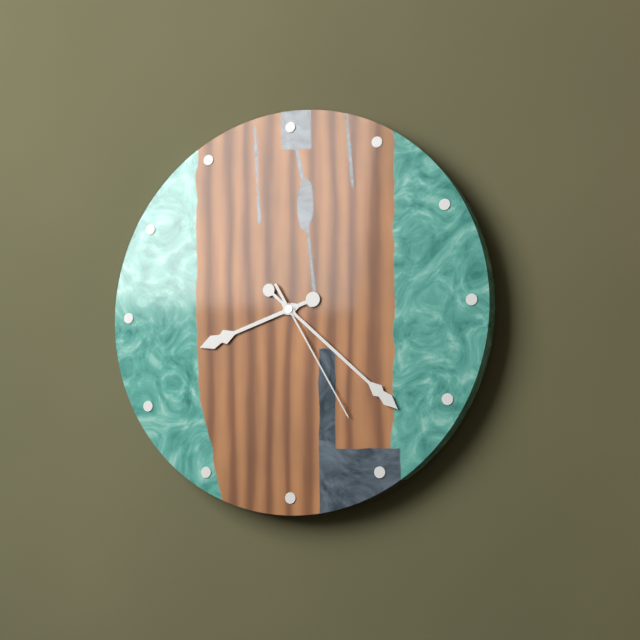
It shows 8 h 22 min 25 s
